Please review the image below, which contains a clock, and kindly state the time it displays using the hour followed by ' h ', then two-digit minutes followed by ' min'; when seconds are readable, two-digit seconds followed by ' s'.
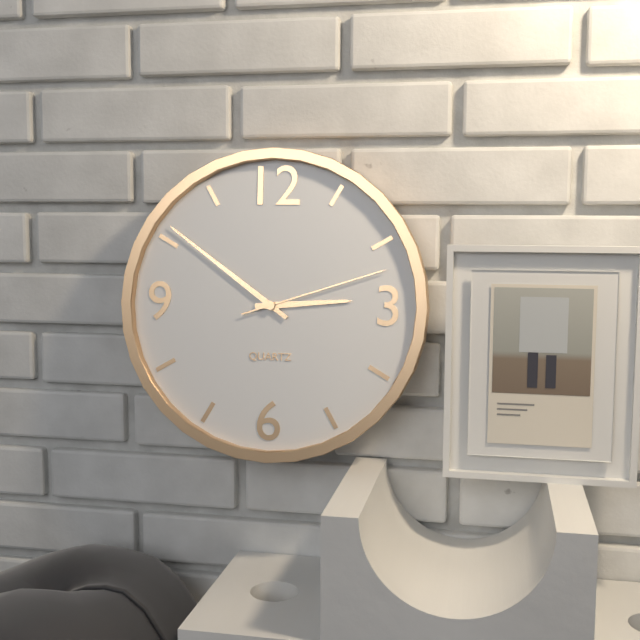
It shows 2 h 51 min 12 s
